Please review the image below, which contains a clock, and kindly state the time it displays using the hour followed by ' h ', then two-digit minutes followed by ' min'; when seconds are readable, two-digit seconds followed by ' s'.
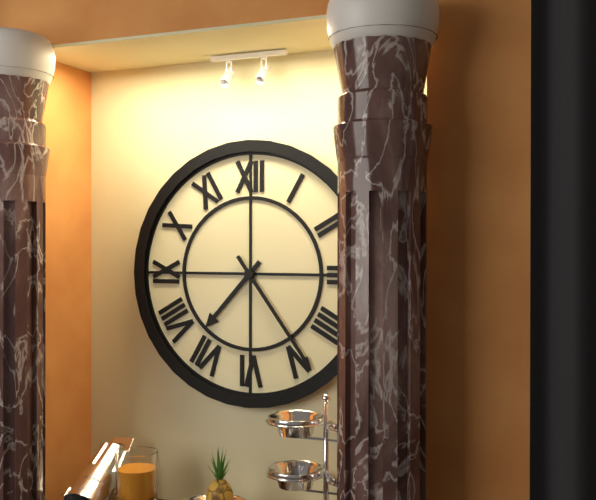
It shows 7 h 24 min
